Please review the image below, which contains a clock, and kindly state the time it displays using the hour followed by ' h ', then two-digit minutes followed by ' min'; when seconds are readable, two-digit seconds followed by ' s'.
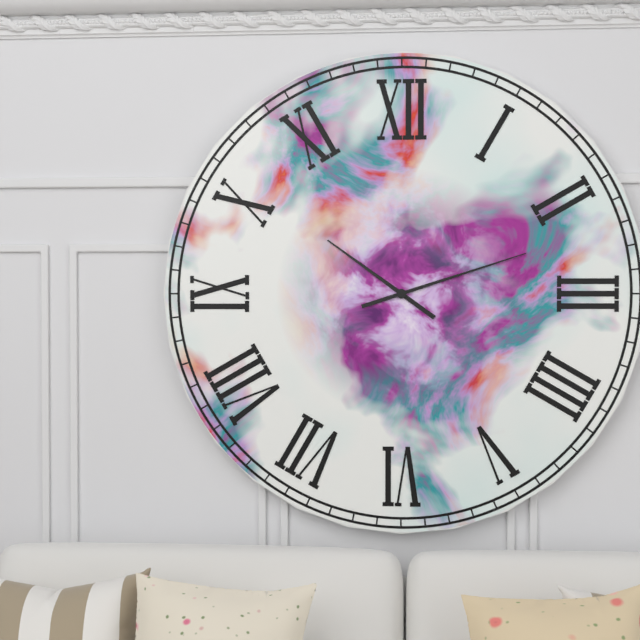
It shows 10 h 12 min
